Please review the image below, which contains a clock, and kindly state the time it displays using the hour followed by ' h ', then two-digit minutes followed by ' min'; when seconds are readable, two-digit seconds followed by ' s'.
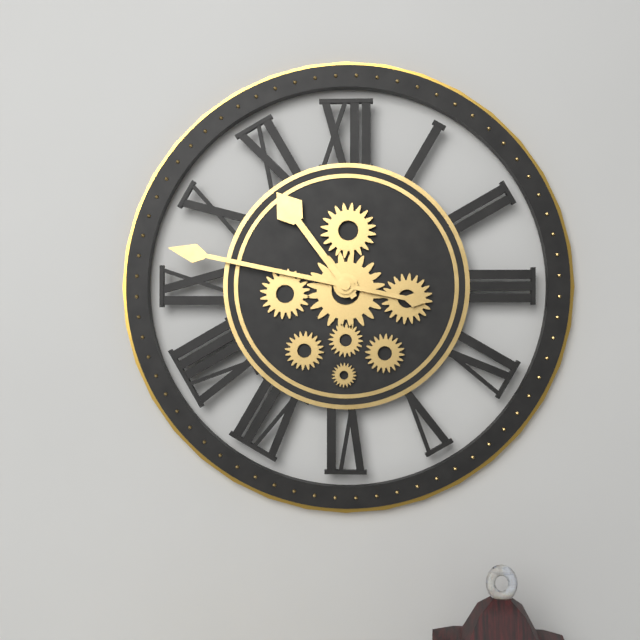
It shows 10 h 47 min
